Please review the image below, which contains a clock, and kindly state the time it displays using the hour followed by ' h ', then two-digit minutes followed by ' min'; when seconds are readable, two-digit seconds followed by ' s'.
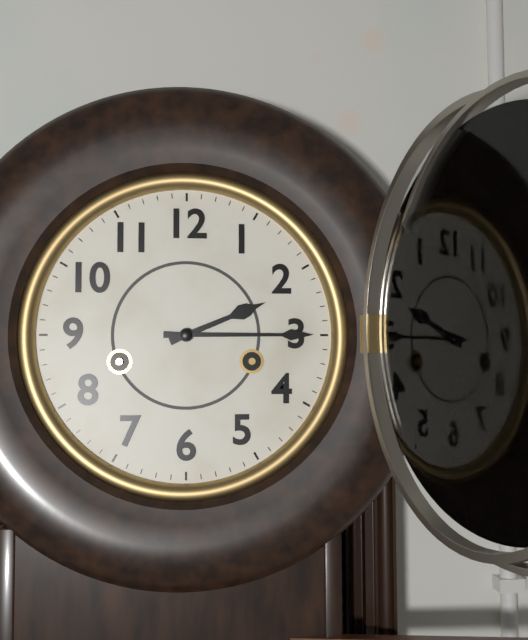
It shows 2 h 15 min
